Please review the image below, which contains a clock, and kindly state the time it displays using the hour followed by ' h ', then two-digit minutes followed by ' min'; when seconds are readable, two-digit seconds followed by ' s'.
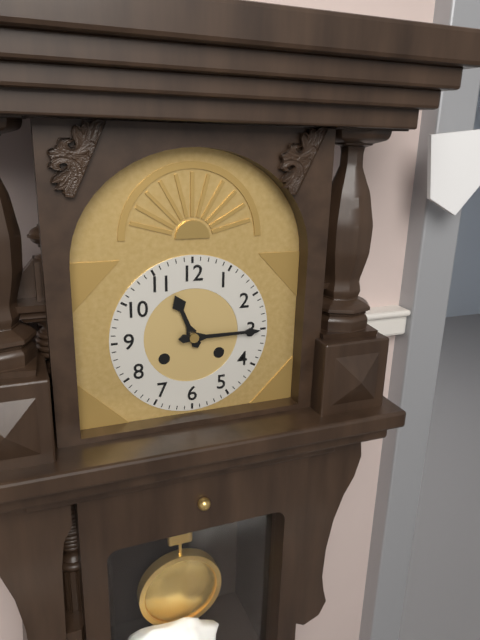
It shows 11 h 15 min
